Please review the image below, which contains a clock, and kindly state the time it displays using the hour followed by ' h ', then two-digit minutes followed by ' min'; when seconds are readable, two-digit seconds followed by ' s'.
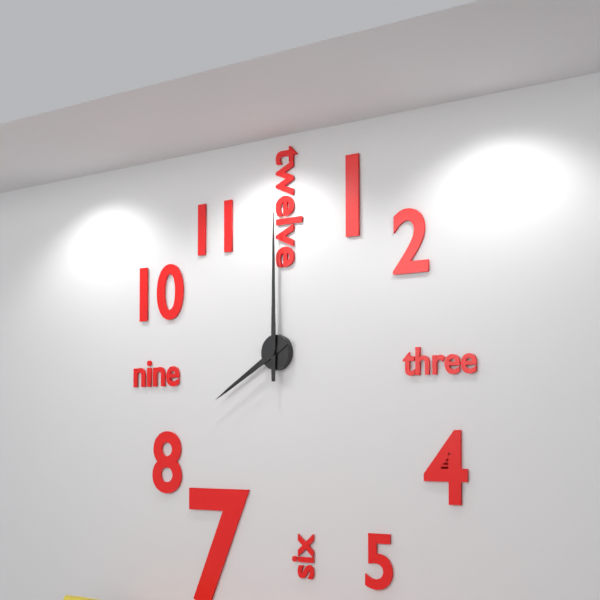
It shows 8 h 00 min
